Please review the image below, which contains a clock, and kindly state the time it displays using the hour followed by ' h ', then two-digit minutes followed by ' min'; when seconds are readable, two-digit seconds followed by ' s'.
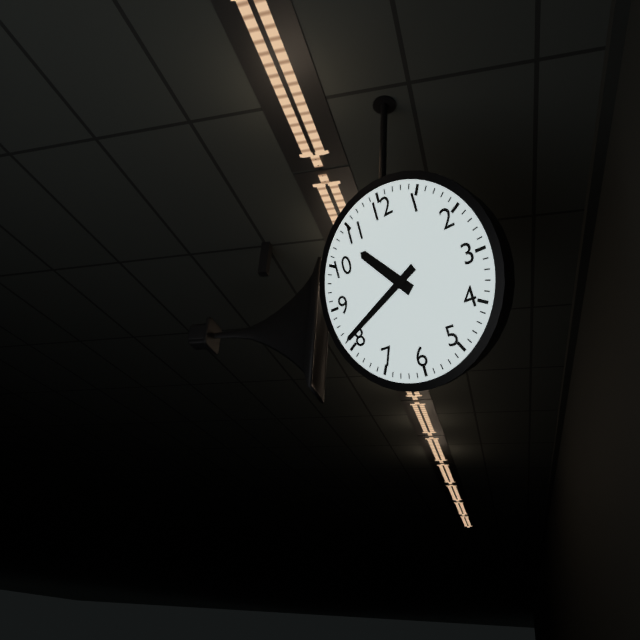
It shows 10 h 41 min
